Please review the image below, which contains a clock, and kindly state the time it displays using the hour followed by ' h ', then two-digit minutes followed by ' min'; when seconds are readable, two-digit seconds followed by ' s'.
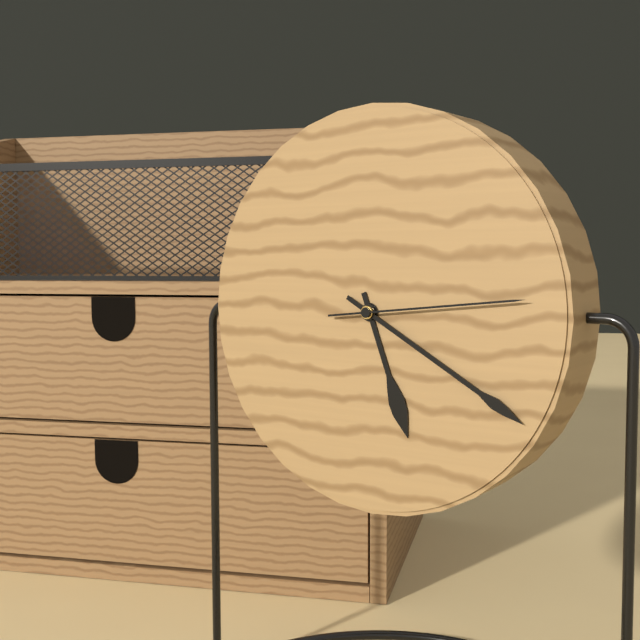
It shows 5 h 20 min 14 s
